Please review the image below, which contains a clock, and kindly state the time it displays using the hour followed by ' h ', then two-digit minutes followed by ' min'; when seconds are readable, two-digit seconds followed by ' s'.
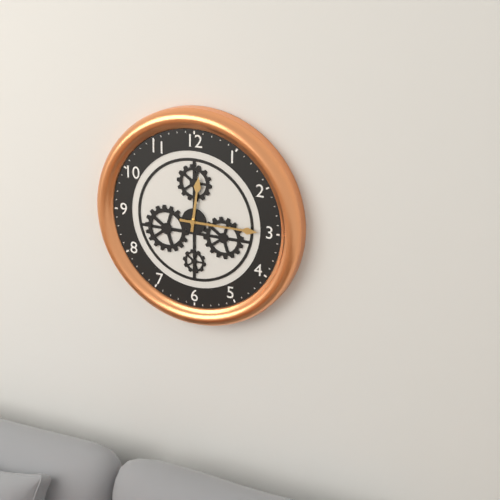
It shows 12 h 15 min
